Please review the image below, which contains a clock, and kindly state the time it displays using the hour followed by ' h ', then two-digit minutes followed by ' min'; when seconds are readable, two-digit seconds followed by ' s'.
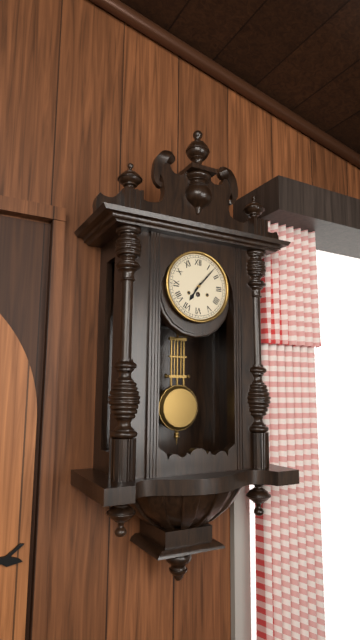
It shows 7 h 07 min
